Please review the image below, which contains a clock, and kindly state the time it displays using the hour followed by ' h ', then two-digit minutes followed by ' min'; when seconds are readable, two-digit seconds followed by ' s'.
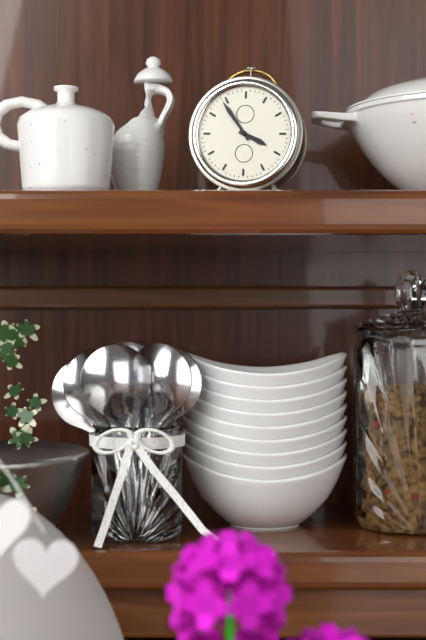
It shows 3 h 54 min
